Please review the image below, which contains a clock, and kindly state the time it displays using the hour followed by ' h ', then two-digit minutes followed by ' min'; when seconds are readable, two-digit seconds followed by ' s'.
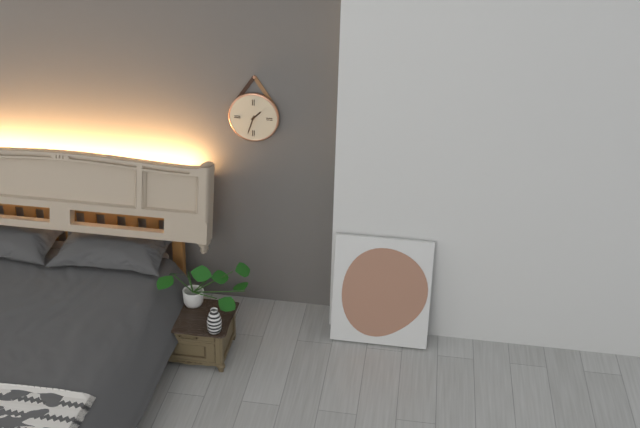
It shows 1 h 33 min
